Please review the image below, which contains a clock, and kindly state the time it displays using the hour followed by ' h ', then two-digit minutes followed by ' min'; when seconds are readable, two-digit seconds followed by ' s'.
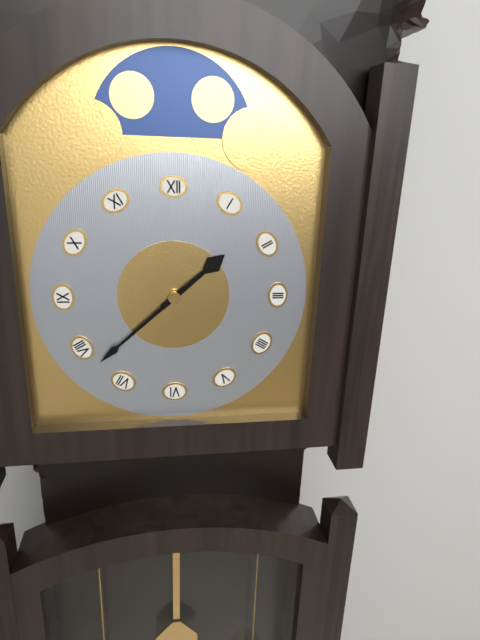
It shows 1 h 38 min
